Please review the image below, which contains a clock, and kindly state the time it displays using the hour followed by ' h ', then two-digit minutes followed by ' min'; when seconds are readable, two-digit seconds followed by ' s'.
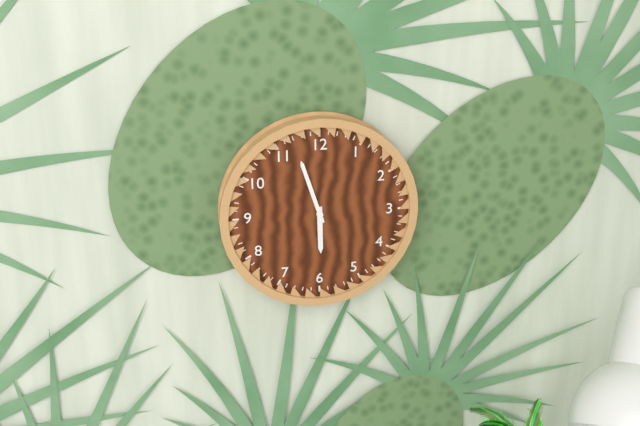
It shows 5 h 57 min
